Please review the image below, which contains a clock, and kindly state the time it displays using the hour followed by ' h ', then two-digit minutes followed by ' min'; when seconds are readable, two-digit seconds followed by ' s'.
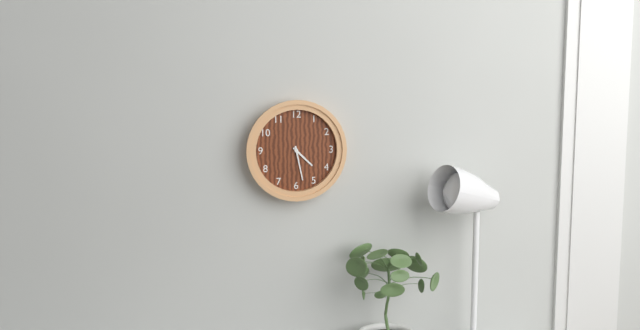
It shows 4 h 28 min
